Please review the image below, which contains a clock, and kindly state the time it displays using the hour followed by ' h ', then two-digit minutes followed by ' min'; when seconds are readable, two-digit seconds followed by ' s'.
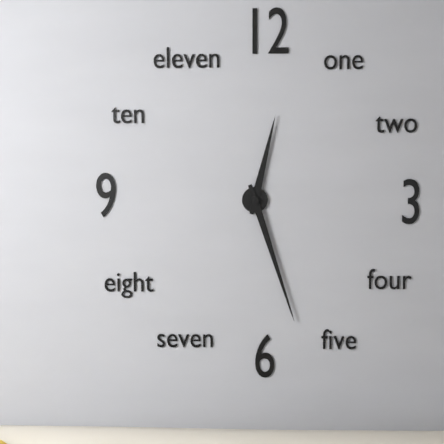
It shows 12 h 27 min
